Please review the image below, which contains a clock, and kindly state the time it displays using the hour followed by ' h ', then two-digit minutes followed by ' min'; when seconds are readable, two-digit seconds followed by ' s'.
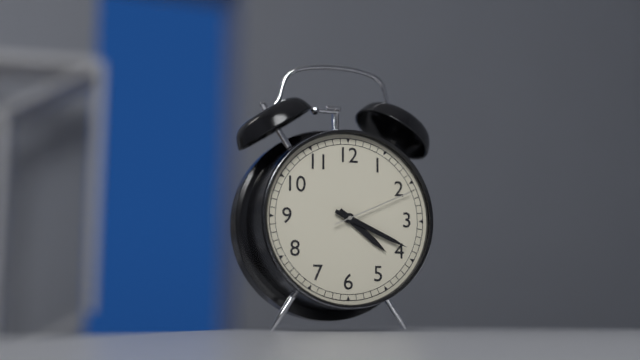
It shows 4 h 19 min 11 s
